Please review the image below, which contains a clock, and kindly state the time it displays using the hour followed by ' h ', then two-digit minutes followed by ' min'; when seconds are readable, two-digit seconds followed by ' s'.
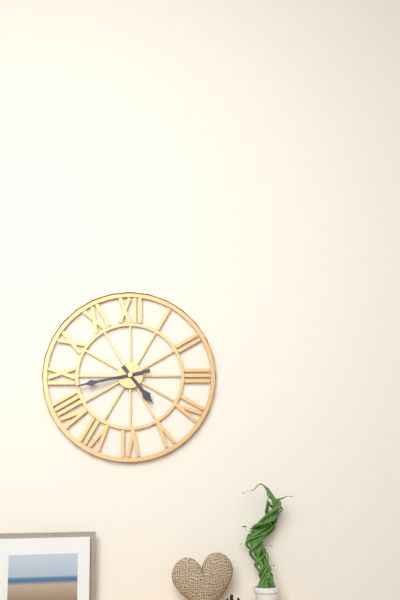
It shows 4 h 43 min
